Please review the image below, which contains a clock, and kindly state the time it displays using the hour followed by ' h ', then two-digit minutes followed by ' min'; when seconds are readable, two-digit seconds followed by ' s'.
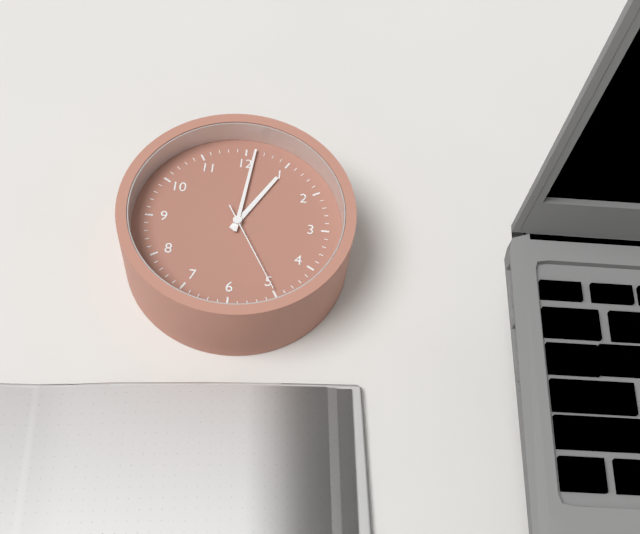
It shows 1 h 01 min 25 s
